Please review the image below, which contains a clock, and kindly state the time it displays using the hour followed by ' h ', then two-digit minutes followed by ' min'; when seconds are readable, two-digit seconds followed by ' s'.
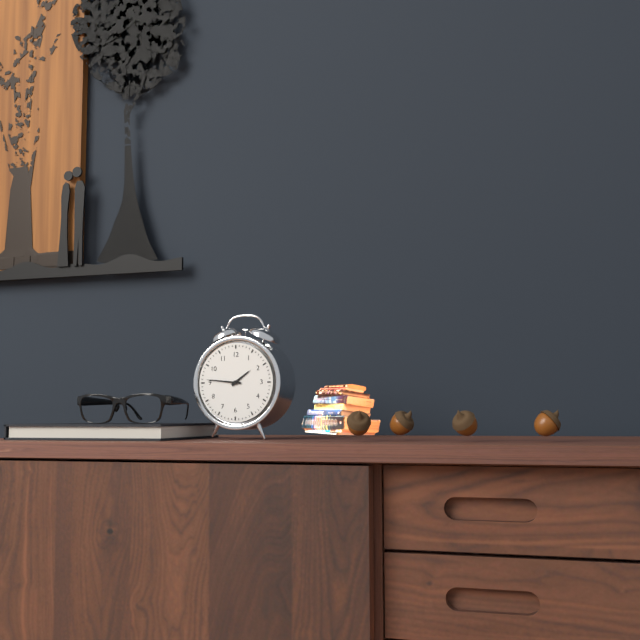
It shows 1 h 46 min
